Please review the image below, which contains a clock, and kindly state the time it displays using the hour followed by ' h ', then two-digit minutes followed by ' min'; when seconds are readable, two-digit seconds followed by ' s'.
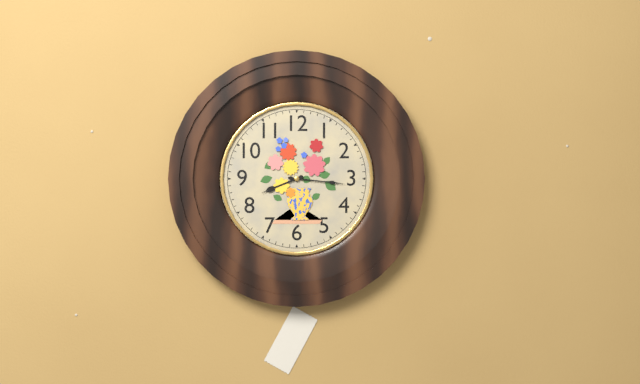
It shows 8 h 16 min
